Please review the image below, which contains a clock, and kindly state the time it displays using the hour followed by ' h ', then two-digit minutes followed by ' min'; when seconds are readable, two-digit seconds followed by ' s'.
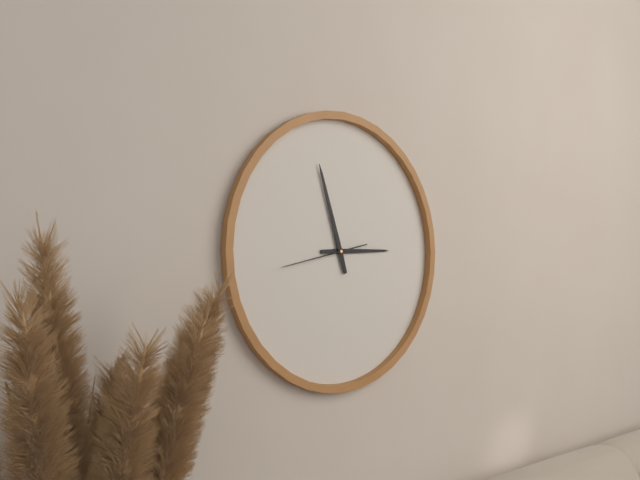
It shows 2 h 57 min 43 s
